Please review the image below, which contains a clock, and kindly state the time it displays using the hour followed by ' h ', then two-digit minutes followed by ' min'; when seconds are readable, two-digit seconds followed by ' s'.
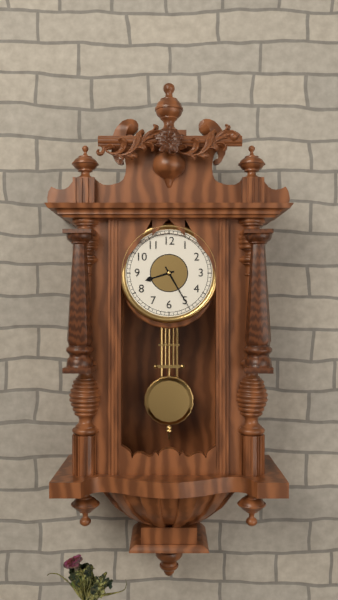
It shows 8 h 25 min
